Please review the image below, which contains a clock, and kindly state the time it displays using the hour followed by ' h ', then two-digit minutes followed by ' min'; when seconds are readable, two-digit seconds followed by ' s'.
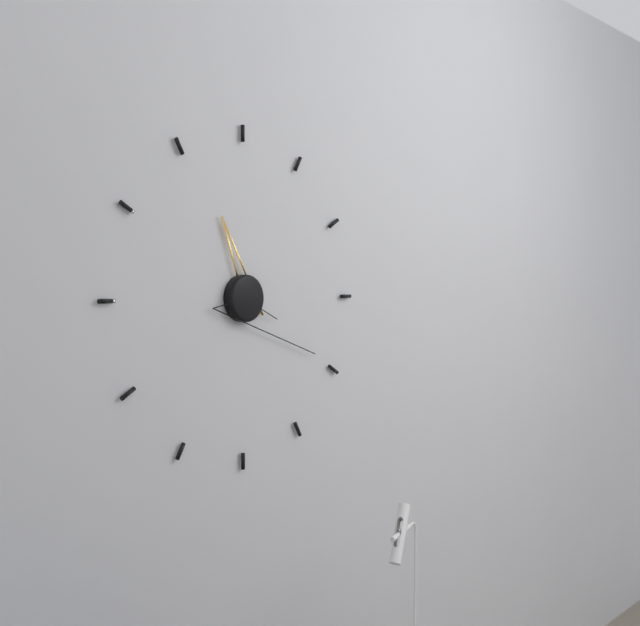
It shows 11 h 20 min
